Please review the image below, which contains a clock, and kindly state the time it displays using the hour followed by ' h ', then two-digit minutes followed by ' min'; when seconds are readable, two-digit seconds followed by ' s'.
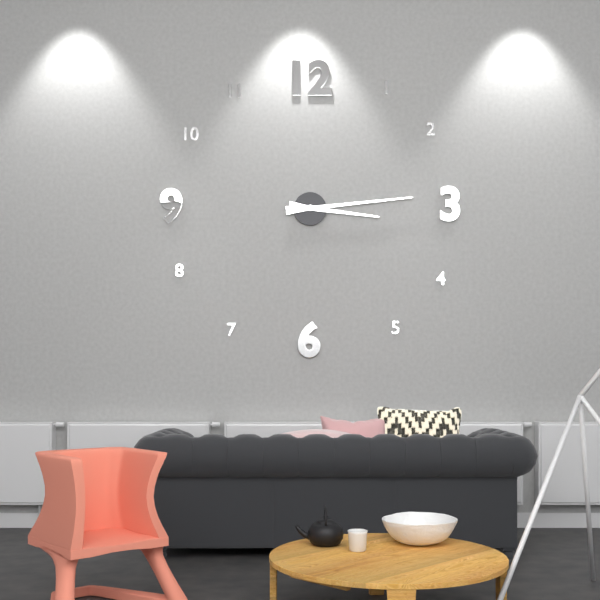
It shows 3 h 14 min
